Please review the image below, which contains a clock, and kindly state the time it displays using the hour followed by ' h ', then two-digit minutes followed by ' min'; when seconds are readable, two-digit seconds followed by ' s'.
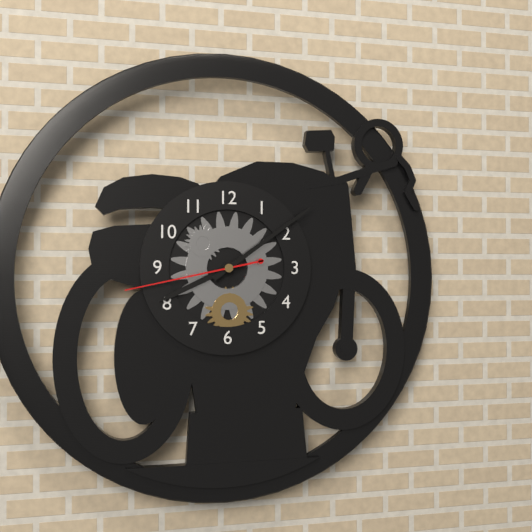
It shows 8 h 09 min 43 s
